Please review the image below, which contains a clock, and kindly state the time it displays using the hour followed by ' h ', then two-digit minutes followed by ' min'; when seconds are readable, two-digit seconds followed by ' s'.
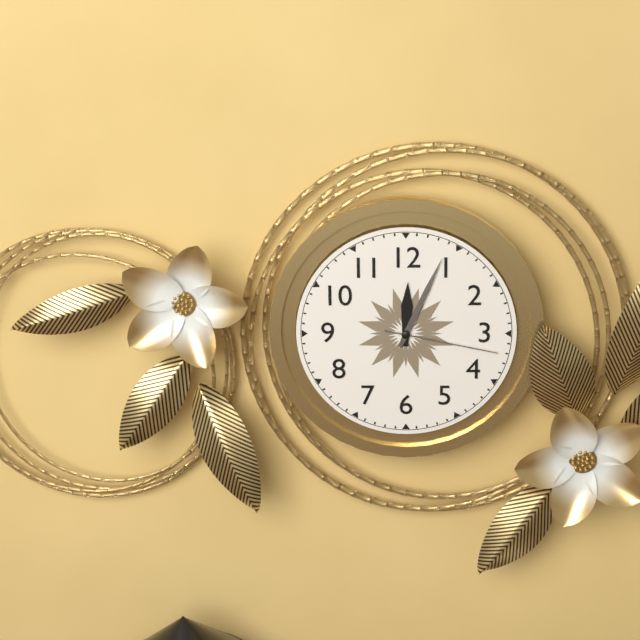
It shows 12 h 04 min 17 s
